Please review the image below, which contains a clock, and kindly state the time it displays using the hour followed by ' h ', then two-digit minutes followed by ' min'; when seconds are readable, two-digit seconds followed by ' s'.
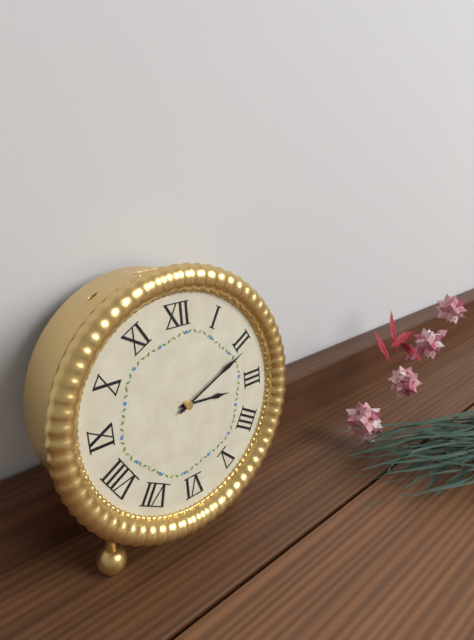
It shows 3 h 11 min
